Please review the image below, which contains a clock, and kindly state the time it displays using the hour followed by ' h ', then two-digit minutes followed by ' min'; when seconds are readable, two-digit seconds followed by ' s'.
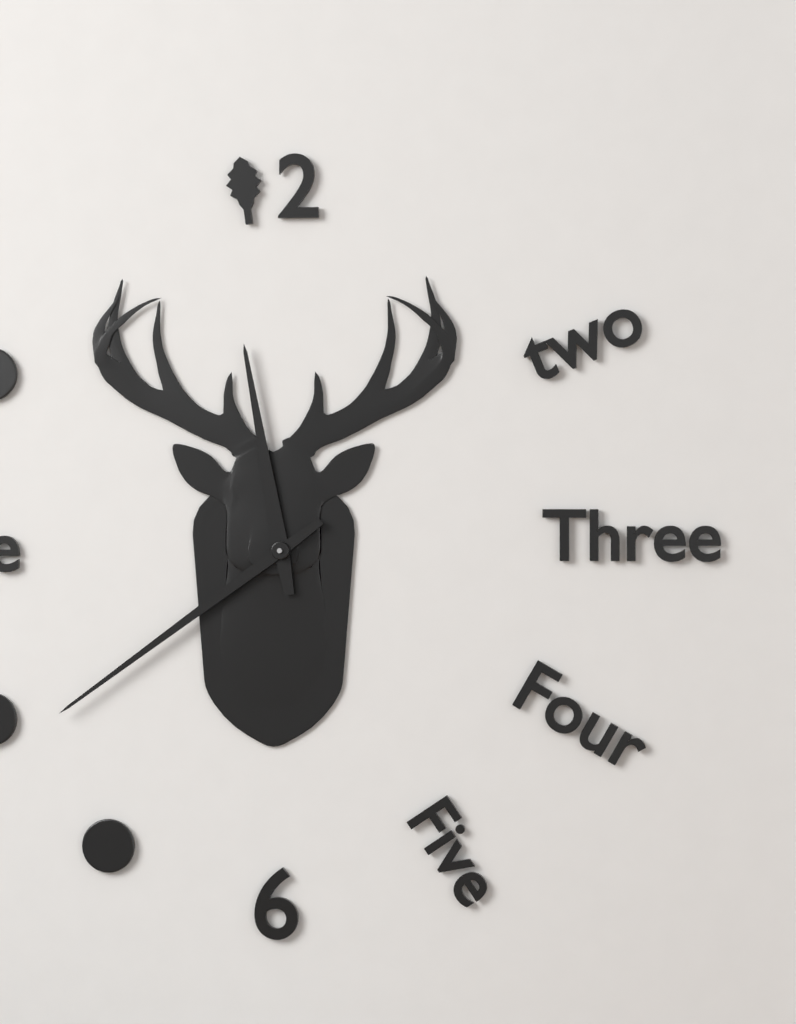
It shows 11 h 39 min
